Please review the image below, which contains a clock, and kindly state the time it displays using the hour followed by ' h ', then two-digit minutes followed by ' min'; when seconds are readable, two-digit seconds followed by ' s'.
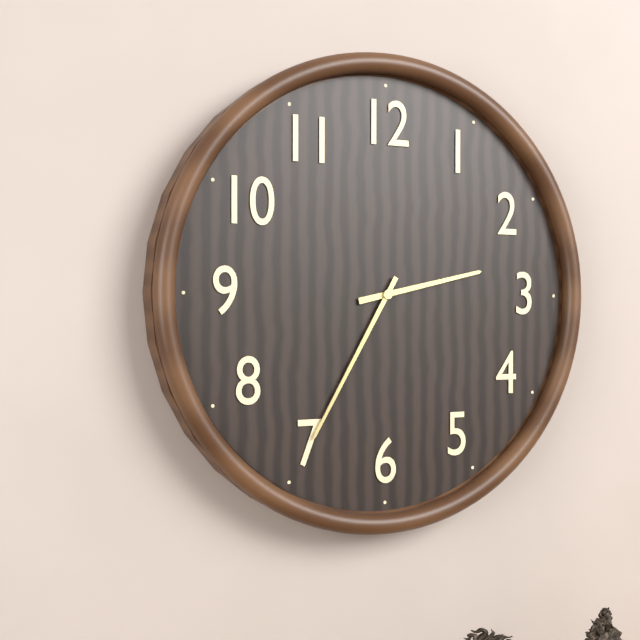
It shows 2 h 35 min
